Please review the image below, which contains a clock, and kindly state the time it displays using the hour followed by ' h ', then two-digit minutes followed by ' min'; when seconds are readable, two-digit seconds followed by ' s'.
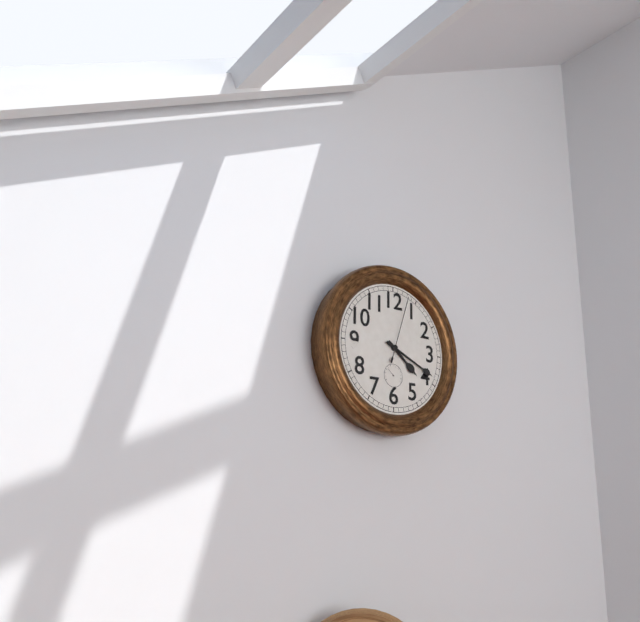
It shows 4 h 19 min 03 s
